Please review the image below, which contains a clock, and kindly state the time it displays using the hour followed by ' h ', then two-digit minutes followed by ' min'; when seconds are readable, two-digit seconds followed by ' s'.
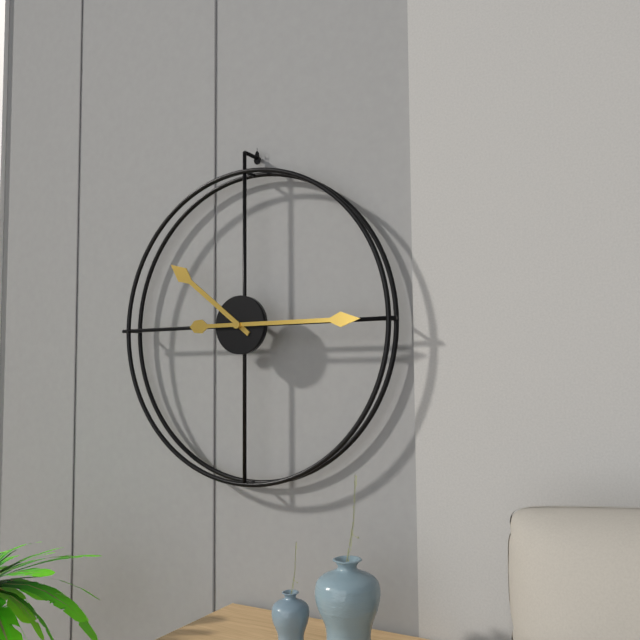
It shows 10 h 15 min
